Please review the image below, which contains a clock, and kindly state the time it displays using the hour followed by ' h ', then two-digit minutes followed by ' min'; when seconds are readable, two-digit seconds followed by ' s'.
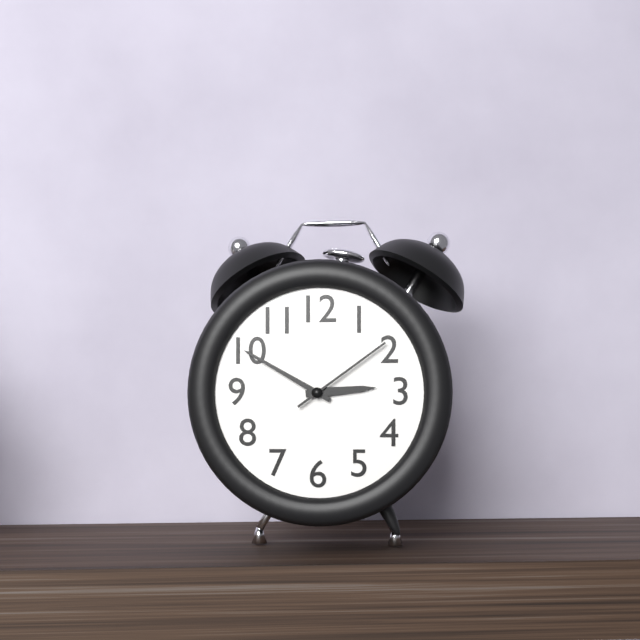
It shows 2 h 50 min 09 s
